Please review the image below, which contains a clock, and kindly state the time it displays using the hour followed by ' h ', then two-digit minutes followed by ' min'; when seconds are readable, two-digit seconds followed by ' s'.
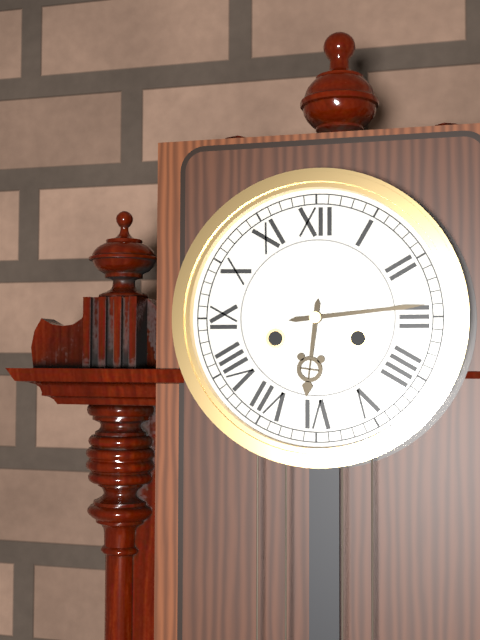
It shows 6 h 14 min
